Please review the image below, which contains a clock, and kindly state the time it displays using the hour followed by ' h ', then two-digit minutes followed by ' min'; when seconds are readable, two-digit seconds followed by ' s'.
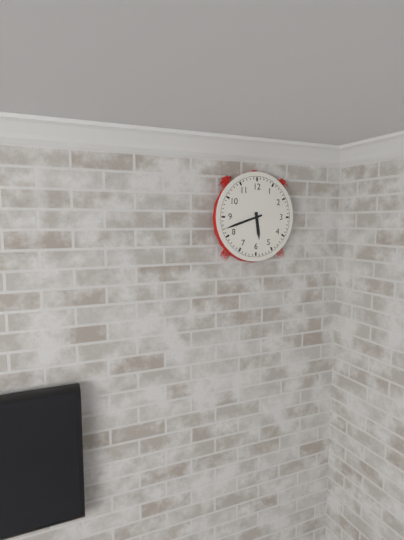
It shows 5 h 42 min
